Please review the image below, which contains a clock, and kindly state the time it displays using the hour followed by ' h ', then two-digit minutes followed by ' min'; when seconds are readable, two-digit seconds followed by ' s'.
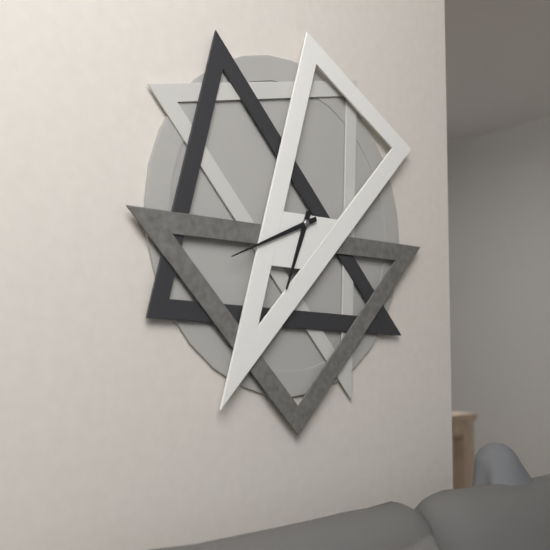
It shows 6 h 41 min
